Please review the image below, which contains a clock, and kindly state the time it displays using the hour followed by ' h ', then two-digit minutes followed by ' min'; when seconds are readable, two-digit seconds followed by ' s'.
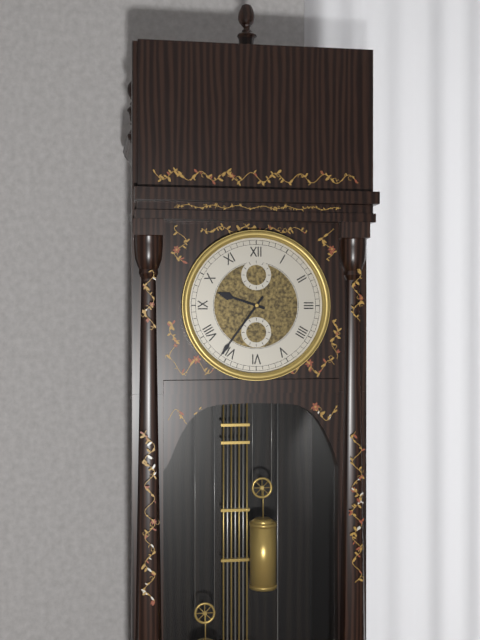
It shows 9 h 36 min
